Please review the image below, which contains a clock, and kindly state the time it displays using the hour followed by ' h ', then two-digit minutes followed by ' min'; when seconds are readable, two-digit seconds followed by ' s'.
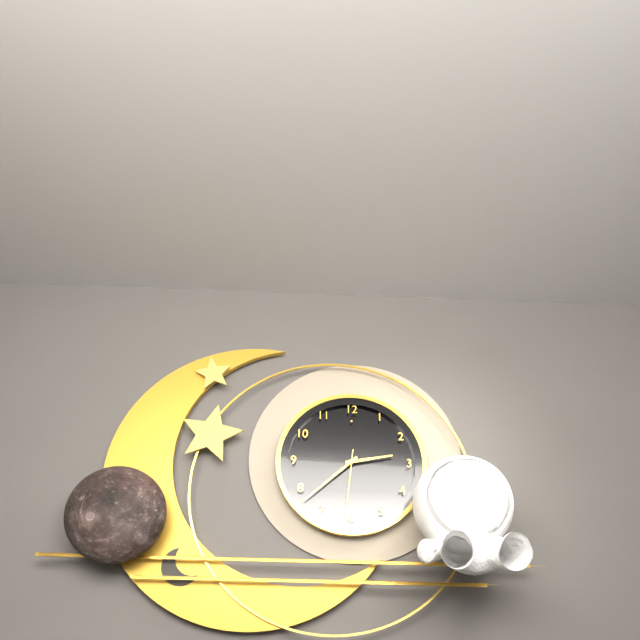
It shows 2 h 38 min 31 s
